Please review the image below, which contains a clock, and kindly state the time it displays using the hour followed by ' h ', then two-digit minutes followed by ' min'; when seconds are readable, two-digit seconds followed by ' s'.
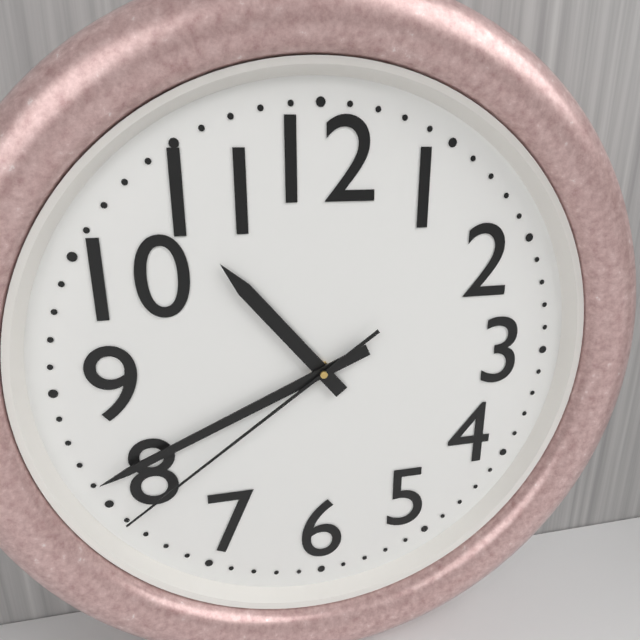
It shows 10 h 41 min 39 s
